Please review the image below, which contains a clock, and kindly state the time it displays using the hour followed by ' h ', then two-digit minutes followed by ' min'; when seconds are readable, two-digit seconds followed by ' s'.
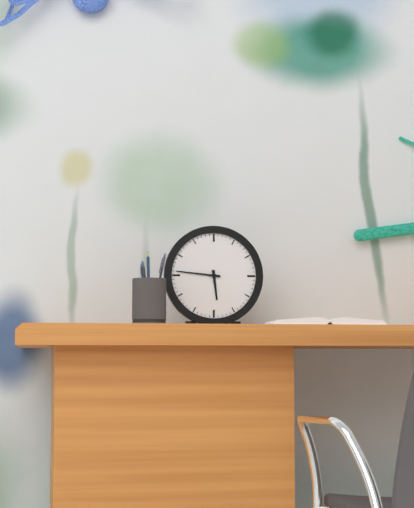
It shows 5 h 46 min
